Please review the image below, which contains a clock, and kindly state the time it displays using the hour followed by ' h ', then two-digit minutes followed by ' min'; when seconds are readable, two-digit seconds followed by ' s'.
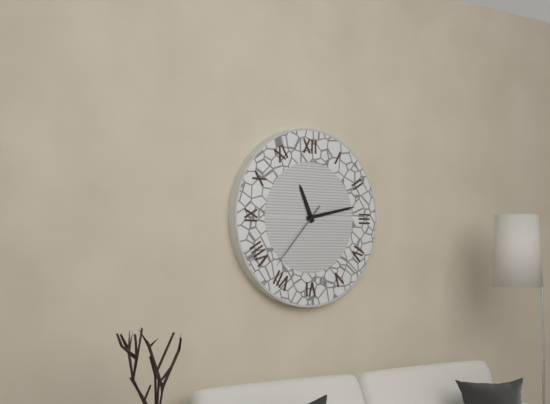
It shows 11 h 13 min 37 s
